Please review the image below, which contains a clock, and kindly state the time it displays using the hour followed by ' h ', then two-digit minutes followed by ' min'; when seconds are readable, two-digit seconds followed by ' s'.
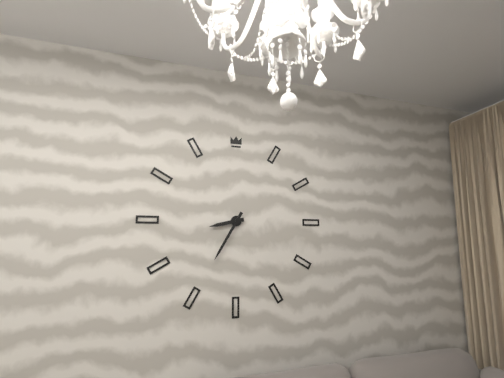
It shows 8 h 35 min
